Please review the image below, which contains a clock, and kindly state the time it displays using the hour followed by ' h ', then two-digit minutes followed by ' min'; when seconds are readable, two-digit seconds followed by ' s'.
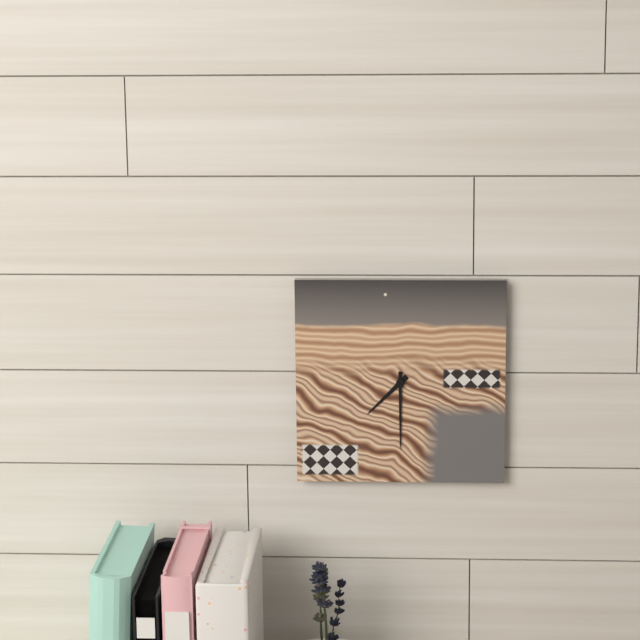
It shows 7 h 30 min
